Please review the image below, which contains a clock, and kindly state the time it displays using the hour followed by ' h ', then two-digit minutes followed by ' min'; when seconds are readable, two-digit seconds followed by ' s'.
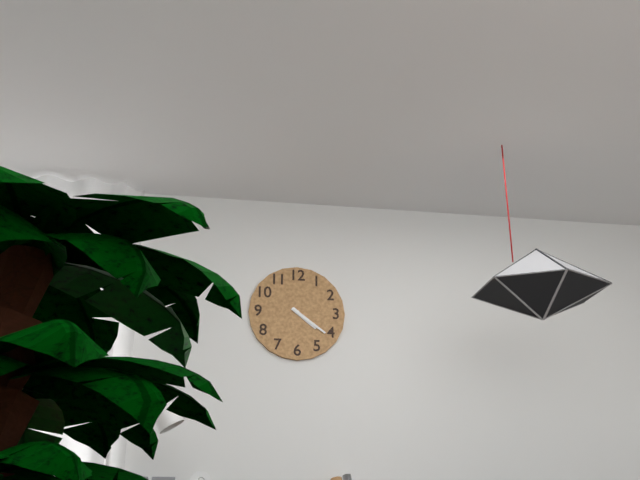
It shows 4 h 21 min
